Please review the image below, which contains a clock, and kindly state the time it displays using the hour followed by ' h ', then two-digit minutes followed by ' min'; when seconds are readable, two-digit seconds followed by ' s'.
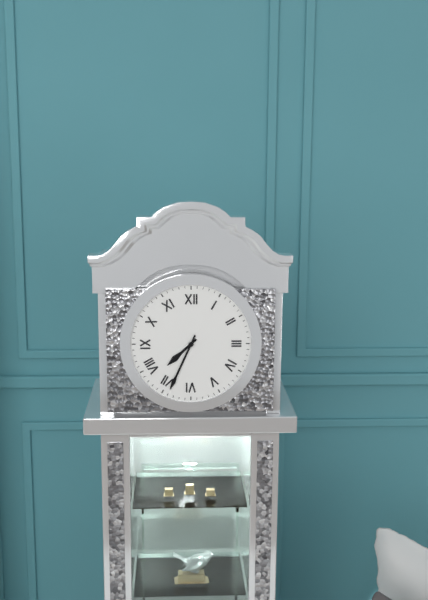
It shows 7 h 34 min
